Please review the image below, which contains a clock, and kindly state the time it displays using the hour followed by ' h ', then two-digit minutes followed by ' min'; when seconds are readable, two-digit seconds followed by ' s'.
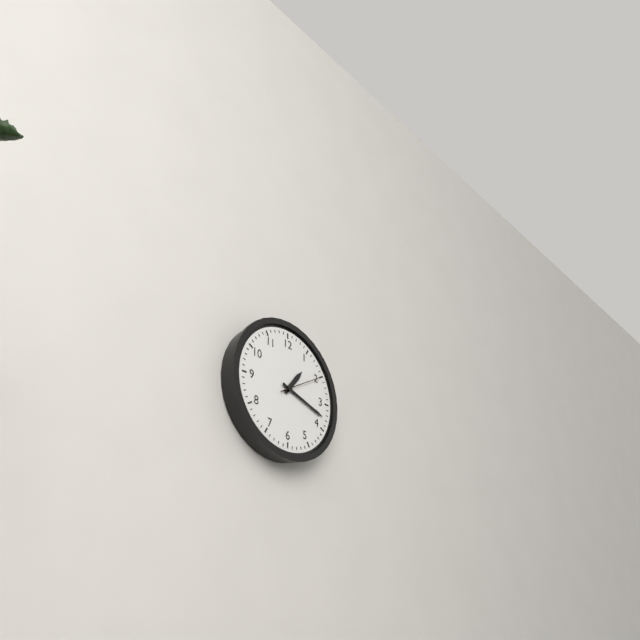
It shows 1 h 18 min
